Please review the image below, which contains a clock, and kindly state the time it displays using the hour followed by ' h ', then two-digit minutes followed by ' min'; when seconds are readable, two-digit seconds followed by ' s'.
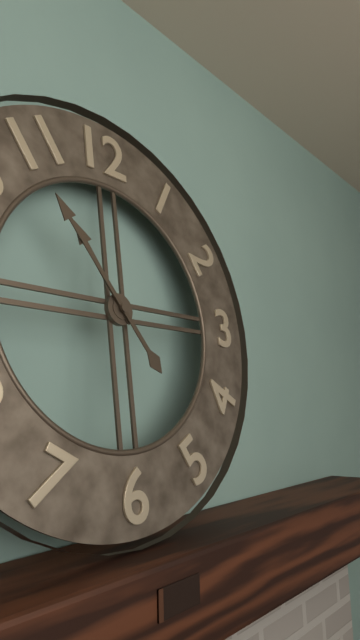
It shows 10 h 54 min
